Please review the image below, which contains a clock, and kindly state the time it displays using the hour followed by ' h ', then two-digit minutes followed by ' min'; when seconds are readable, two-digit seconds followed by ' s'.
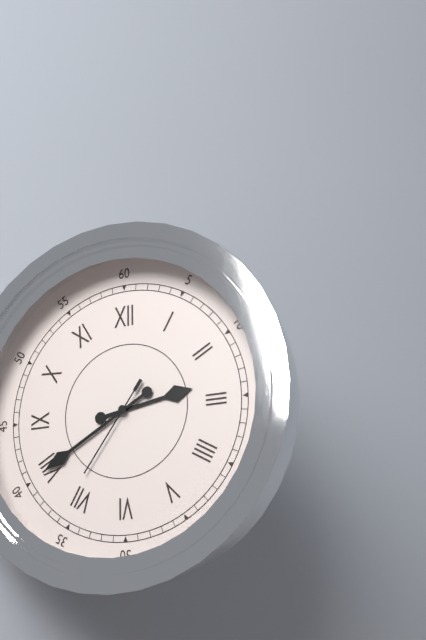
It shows 2 h 40 min 36 s
